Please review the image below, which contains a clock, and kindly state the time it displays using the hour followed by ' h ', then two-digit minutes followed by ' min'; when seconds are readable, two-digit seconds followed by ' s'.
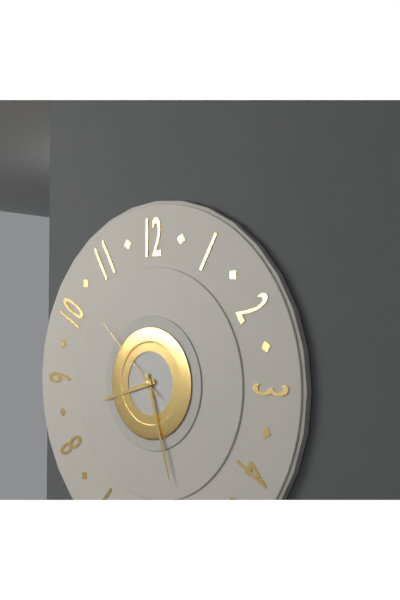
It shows 8 h 27 min 52 s
